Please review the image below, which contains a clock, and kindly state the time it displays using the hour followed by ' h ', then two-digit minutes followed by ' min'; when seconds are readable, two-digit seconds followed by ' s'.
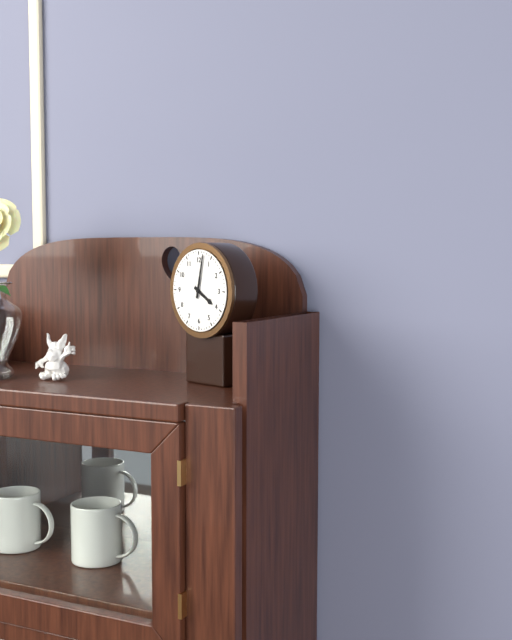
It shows 4 h 02 min
